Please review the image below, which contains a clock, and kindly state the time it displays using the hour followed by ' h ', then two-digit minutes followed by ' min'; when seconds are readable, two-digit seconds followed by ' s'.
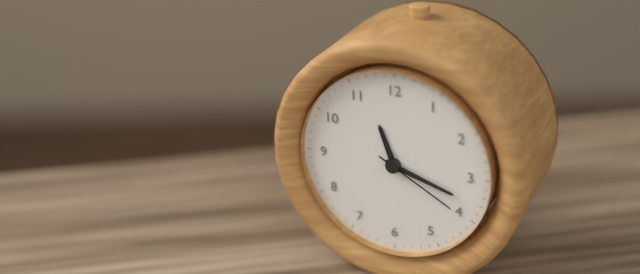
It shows 11 h 18 min 20 s
